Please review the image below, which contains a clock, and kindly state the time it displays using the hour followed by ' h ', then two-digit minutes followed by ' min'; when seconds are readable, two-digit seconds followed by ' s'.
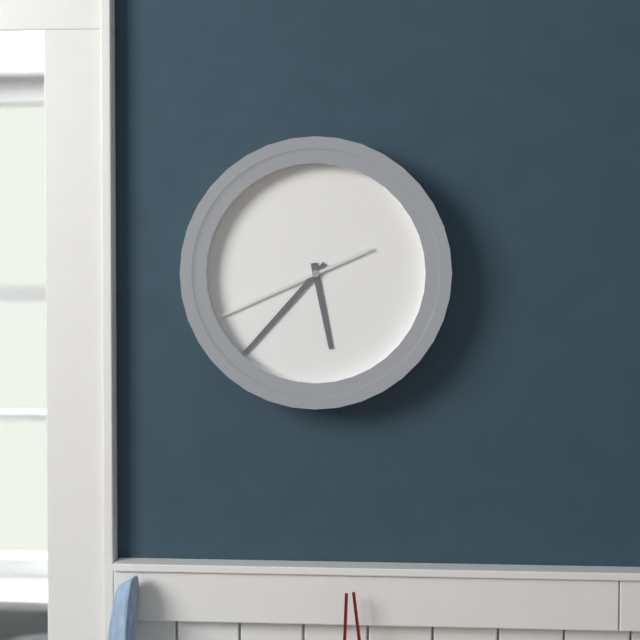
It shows 5 h 37 min 41 s
